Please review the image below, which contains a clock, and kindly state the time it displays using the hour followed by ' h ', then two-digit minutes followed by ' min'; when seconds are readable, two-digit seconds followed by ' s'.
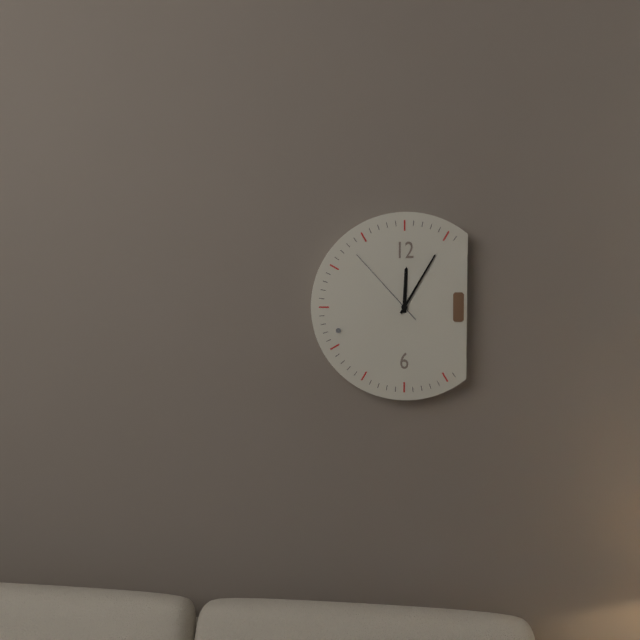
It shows 12 h 05 min 53 s
